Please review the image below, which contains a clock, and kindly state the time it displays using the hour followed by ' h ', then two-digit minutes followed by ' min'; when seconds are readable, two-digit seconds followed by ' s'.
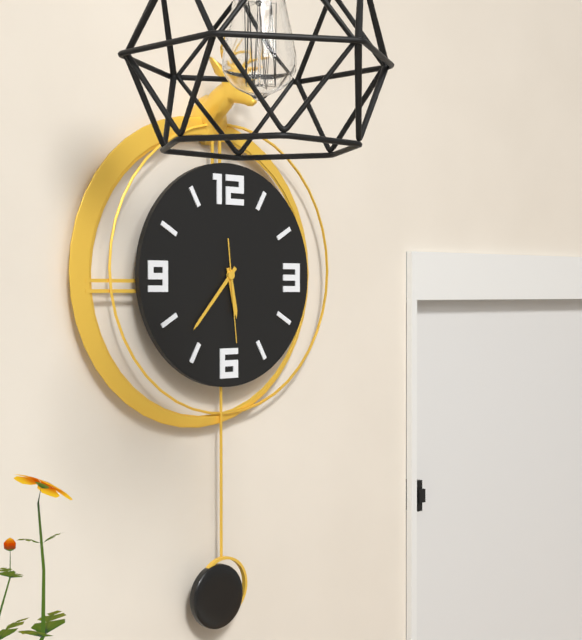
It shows 5 h 37 min 29 s
